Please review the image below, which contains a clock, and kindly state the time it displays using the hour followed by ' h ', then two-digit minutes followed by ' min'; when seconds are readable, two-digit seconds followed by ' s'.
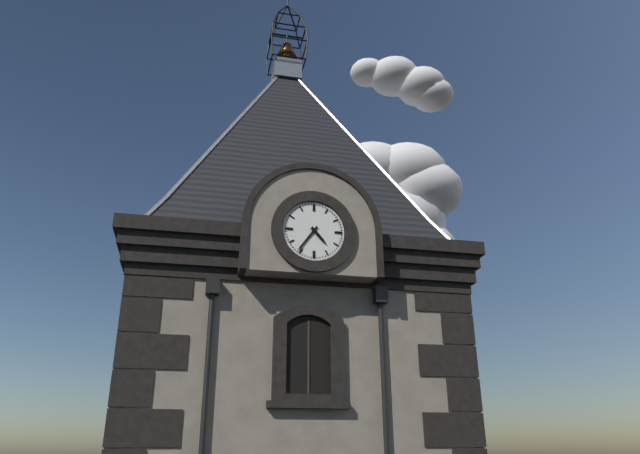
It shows 4 h 36 min
